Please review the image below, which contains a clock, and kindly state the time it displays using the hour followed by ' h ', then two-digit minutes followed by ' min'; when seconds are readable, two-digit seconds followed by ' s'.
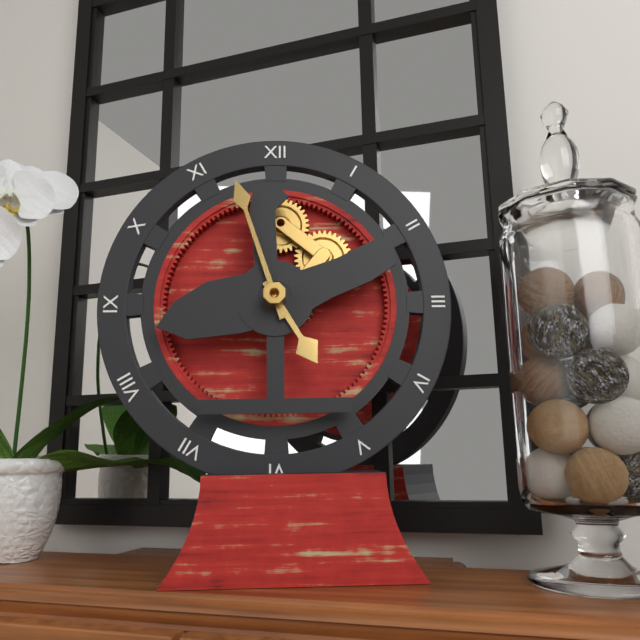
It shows 4 h 57 min
